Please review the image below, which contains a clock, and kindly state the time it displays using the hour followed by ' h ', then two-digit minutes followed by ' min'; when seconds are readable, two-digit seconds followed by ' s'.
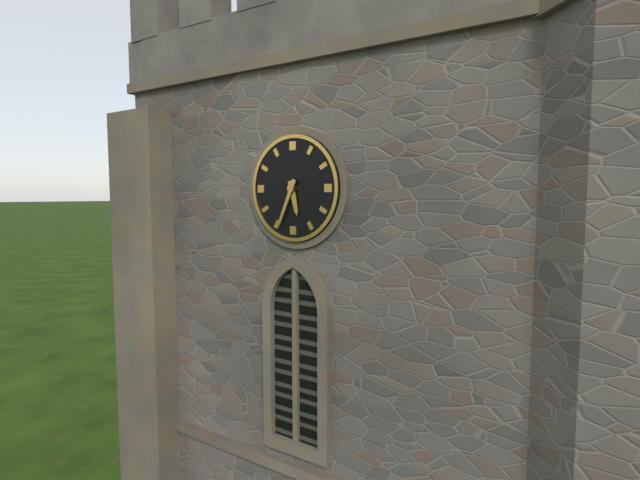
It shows 5 h 34 min
